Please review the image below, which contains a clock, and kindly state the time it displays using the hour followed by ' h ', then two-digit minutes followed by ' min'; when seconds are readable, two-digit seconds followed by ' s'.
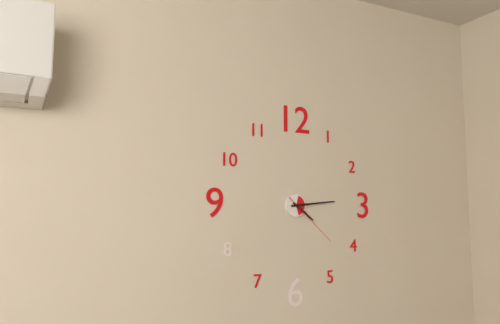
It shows 4 h 14 min 22 s
